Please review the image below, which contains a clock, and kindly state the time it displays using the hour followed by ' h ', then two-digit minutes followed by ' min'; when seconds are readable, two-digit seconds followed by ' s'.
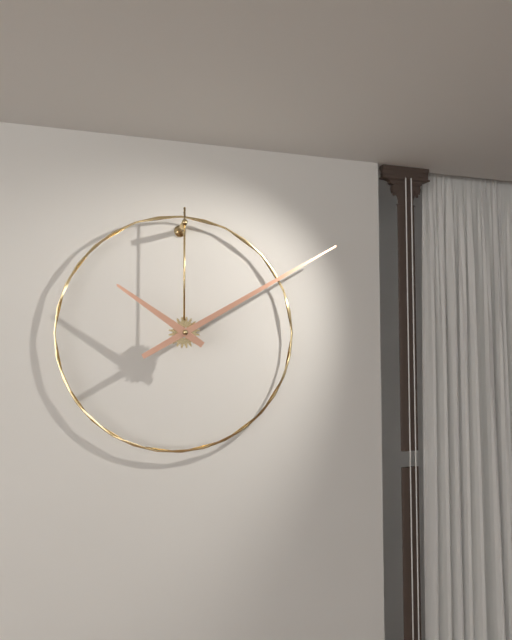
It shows 10 h 10 min
